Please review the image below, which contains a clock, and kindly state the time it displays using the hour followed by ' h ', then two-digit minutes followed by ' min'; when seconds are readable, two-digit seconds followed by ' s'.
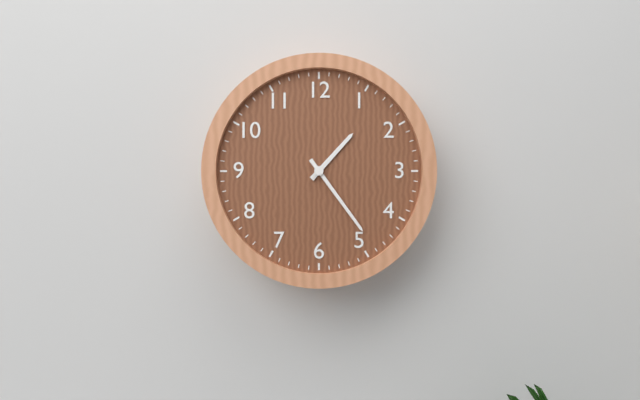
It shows 1 h 24 min
